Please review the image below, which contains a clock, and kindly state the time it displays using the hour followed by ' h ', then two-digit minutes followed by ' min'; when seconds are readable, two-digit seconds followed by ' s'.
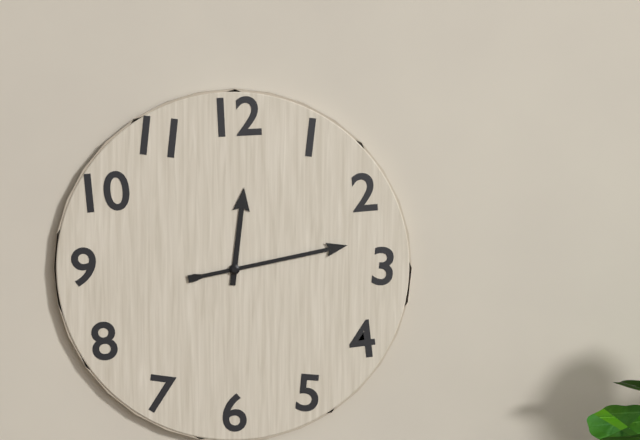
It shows 12 h 13 min
